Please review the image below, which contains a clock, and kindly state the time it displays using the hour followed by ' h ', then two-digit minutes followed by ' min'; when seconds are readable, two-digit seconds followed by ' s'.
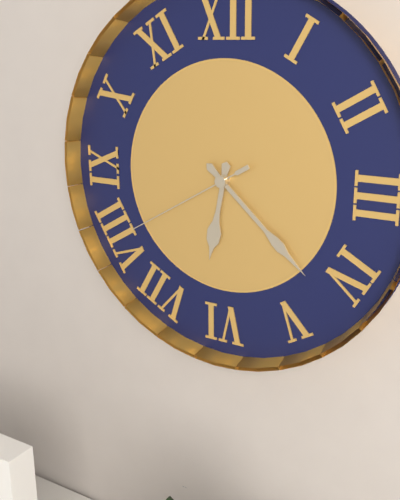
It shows 6 h 22 min 40 s
